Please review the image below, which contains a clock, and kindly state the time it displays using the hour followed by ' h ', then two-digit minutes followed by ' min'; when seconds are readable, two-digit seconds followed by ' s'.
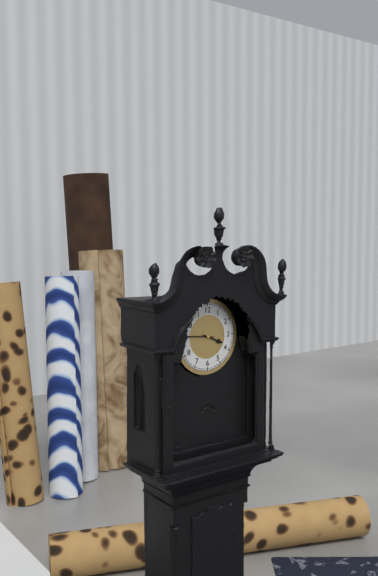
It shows 3 h 46 min
